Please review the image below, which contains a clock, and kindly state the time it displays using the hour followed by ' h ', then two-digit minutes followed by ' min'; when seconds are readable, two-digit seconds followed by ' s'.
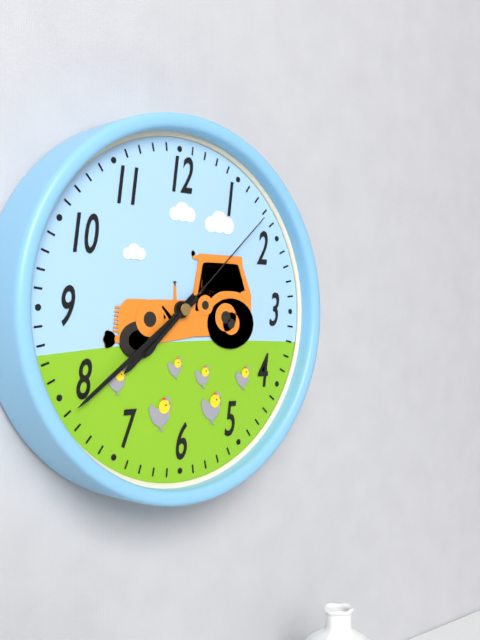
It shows 7 h 39 min 08 s
